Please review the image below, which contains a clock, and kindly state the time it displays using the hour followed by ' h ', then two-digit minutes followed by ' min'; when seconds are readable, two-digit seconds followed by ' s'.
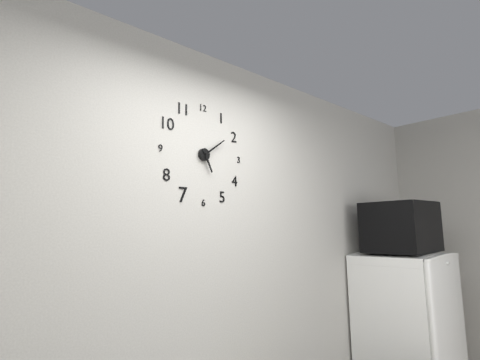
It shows 5 h 09 min
